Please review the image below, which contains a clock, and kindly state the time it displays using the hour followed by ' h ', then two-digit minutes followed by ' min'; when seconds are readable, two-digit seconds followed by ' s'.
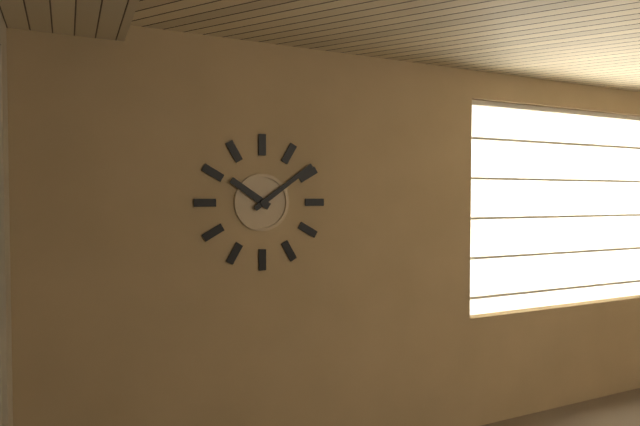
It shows 10 h 09 min
